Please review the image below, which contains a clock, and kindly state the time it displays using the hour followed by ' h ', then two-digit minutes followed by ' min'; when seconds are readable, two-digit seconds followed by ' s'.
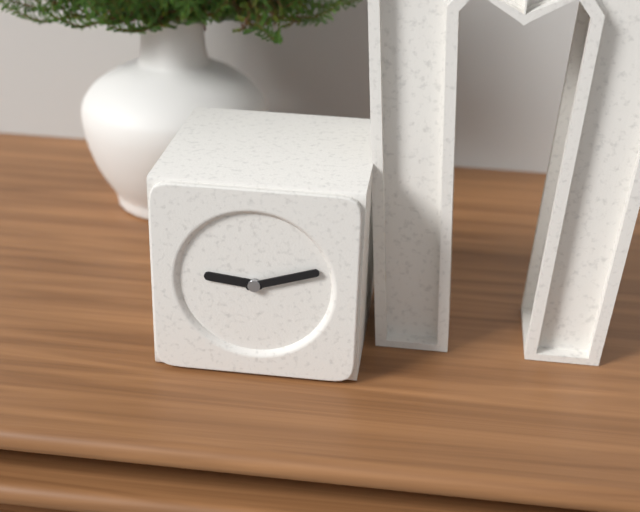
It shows 9 h 12 min
